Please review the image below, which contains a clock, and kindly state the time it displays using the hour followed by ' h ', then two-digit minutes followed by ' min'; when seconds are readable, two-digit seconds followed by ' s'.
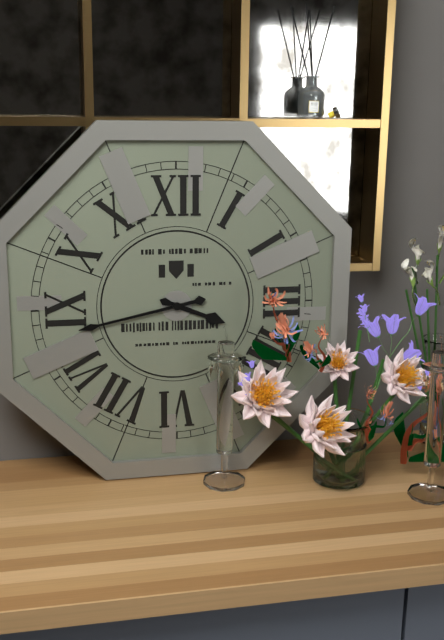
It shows 3 h 43 min
